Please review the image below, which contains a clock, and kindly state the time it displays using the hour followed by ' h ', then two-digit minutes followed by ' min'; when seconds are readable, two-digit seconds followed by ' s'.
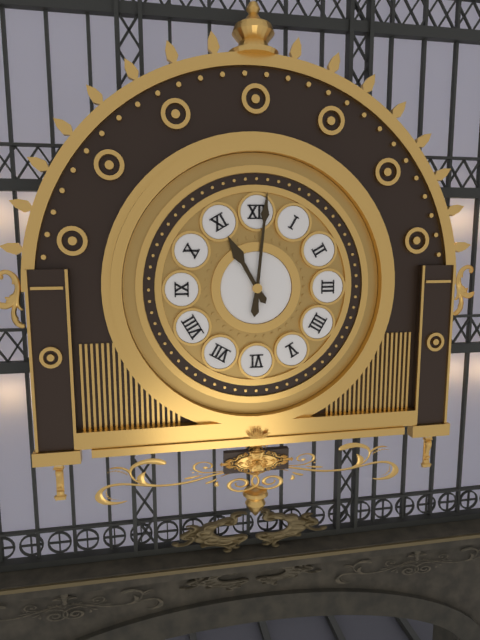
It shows 11 h 01 min
